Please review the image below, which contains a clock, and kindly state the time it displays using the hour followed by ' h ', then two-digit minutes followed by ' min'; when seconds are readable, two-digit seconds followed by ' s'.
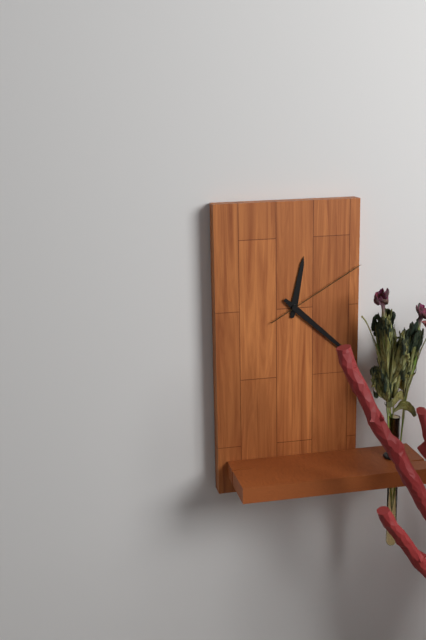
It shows 12 h 22 min 10 s
